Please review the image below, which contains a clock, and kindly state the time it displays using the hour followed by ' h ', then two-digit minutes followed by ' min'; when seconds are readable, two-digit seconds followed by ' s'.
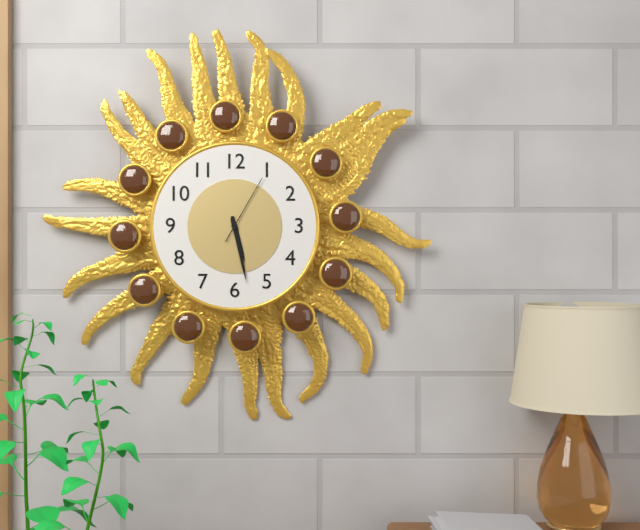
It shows 5 h 28 min 05 s
